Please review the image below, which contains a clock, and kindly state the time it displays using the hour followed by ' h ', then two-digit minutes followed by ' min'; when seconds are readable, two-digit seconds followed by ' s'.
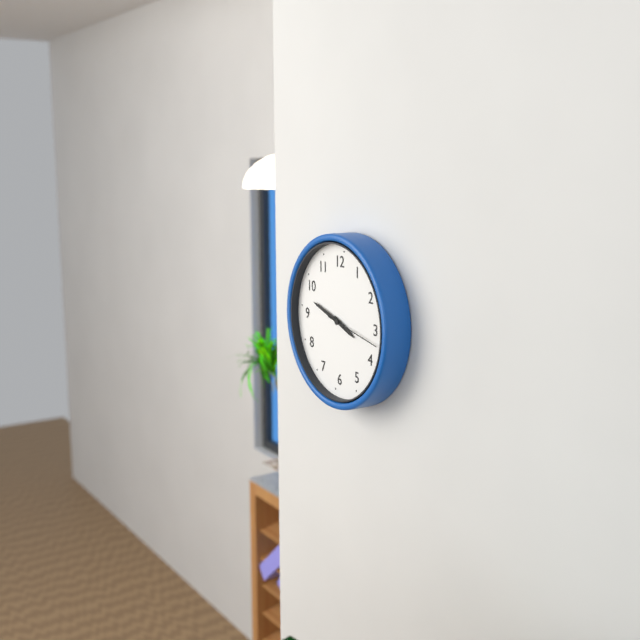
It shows 3 h 48 min 17 s
